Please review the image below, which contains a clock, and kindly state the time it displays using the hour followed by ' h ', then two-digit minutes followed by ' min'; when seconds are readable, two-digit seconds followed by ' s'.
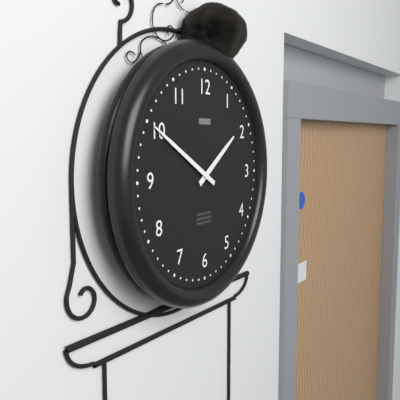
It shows 1 h 50 min
